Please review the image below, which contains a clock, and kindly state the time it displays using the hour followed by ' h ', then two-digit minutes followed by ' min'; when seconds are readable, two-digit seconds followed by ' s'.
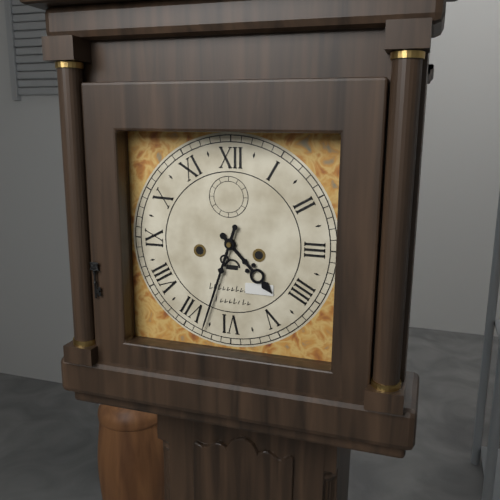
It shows 4 h 33 min
